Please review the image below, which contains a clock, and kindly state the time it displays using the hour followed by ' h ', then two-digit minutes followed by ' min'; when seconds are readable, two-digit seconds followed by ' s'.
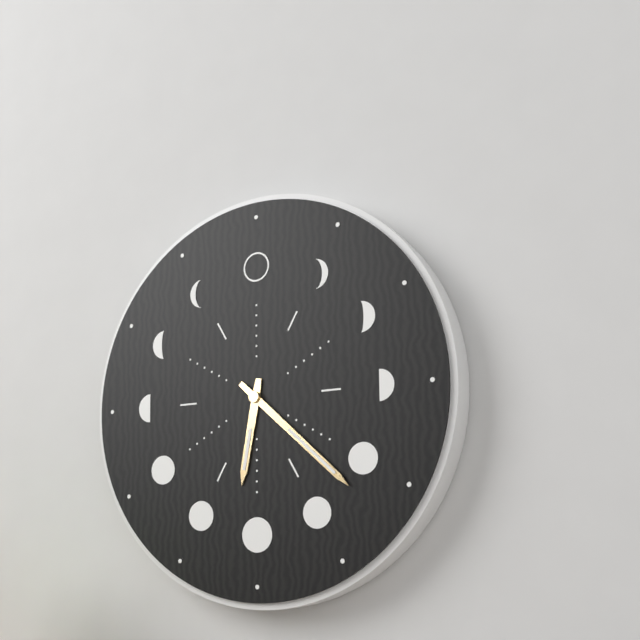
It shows 6 h 22 min
